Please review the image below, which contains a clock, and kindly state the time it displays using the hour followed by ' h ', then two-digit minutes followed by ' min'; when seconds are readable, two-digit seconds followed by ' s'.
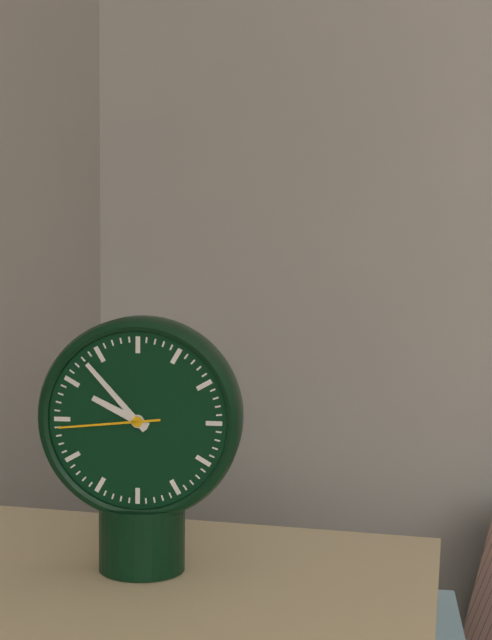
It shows 9 h 53 min 44 s
